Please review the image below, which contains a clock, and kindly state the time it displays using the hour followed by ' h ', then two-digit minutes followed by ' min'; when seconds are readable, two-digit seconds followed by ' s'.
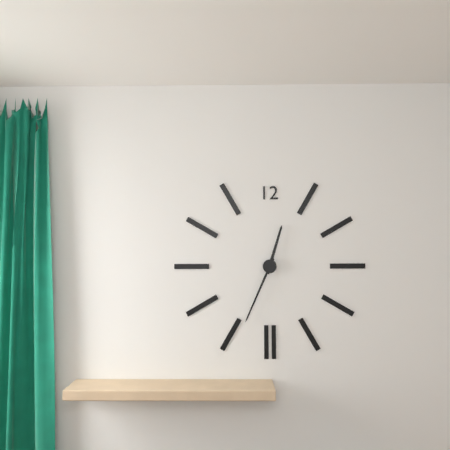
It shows 12 h 34 min
